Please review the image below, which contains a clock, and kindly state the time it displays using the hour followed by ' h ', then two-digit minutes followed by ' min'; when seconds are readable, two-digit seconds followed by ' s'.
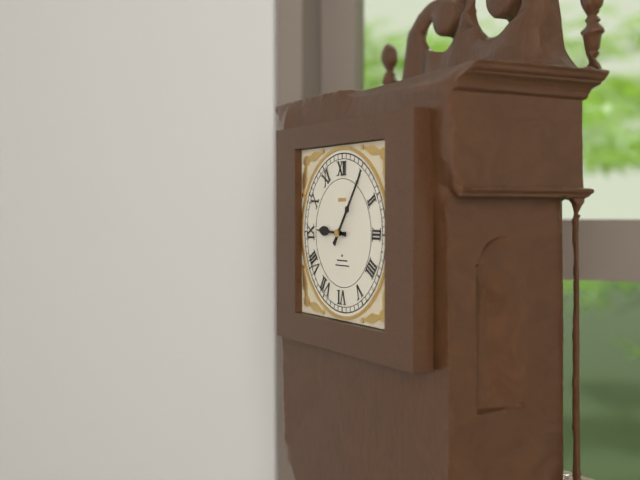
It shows 9 h 06 min
